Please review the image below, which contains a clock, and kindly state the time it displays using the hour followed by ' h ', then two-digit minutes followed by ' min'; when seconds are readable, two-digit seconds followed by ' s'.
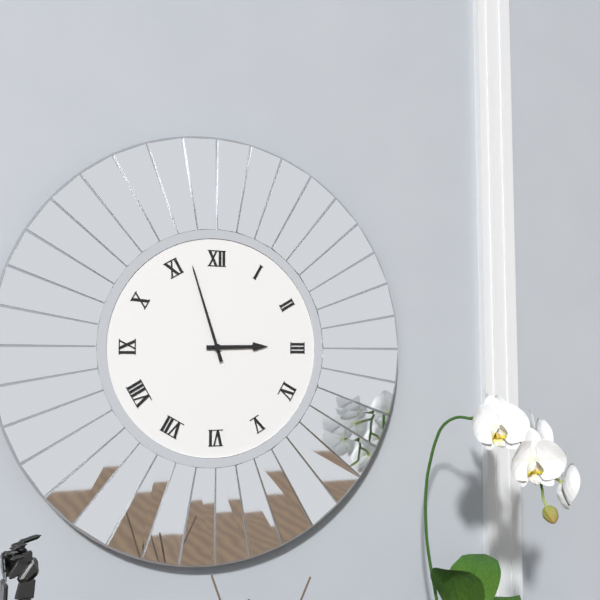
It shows 2 h 57 min
